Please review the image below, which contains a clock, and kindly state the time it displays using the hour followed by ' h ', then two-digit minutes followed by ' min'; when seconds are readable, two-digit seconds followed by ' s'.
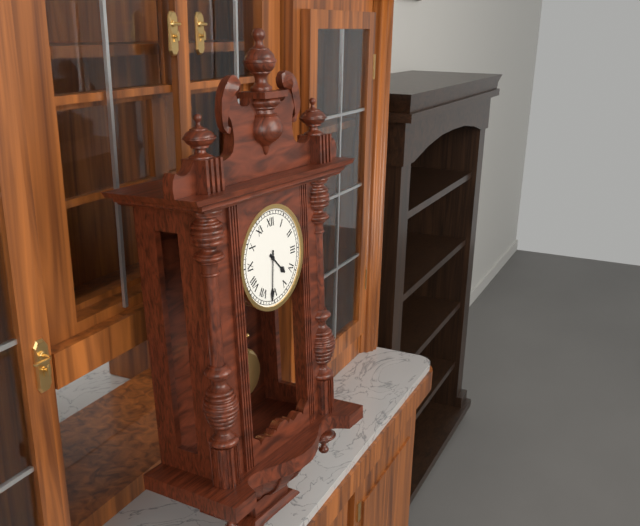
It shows 4 h 31 min
